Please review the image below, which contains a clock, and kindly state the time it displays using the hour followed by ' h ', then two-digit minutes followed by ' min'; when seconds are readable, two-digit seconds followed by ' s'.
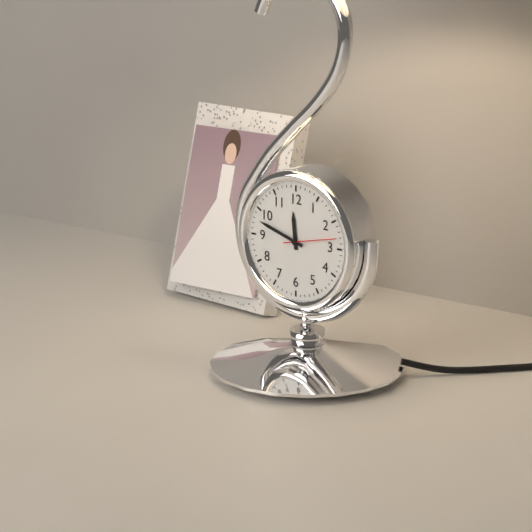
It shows 11 h 48 min 13 s
